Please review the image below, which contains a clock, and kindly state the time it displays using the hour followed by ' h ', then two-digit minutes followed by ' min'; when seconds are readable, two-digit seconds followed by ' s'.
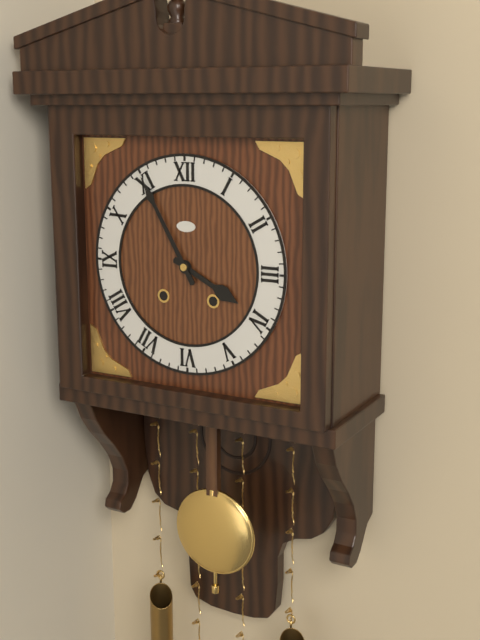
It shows 3 h 55 min
